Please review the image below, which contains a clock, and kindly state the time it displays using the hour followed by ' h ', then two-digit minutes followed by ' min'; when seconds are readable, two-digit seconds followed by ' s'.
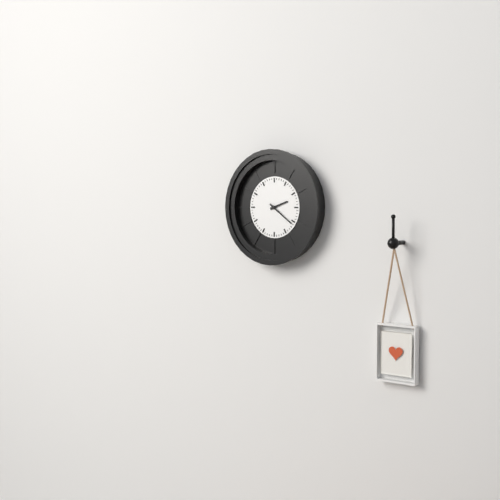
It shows 2 h 21 min
